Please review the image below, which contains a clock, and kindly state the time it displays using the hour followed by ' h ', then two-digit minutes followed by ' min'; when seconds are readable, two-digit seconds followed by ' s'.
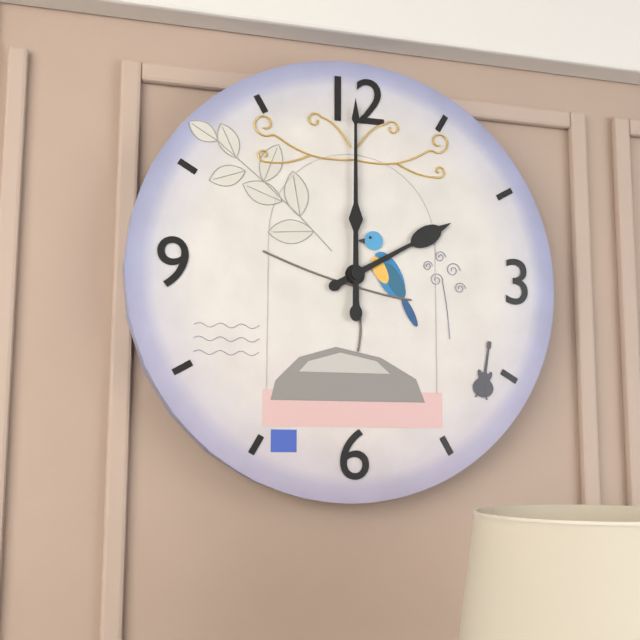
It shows 2 h 00 min
